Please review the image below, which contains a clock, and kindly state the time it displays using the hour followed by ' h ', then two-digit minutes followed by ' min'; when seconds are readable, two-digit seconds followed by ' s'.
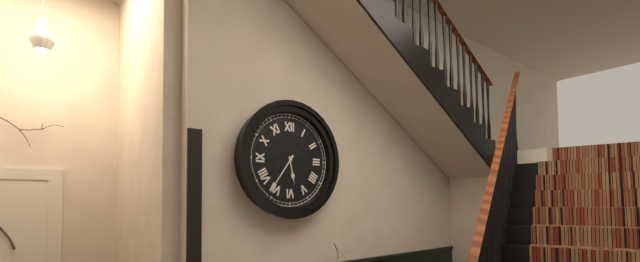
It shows 5 h 36 min
